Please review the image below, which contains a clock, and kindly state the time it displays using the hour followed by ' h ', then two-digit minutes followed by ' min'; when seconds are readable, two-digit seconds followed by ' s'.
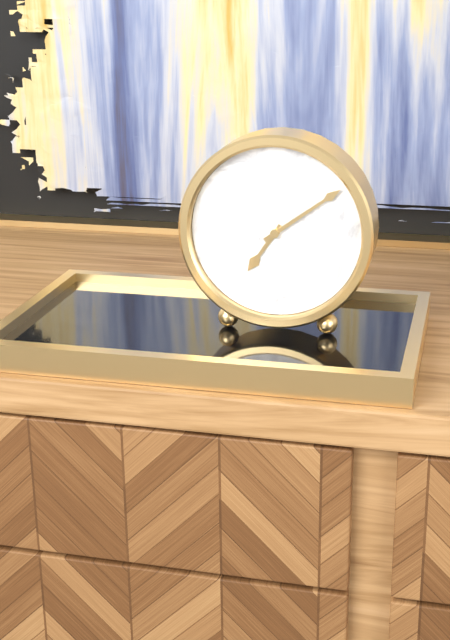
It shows 7 h 09 min
